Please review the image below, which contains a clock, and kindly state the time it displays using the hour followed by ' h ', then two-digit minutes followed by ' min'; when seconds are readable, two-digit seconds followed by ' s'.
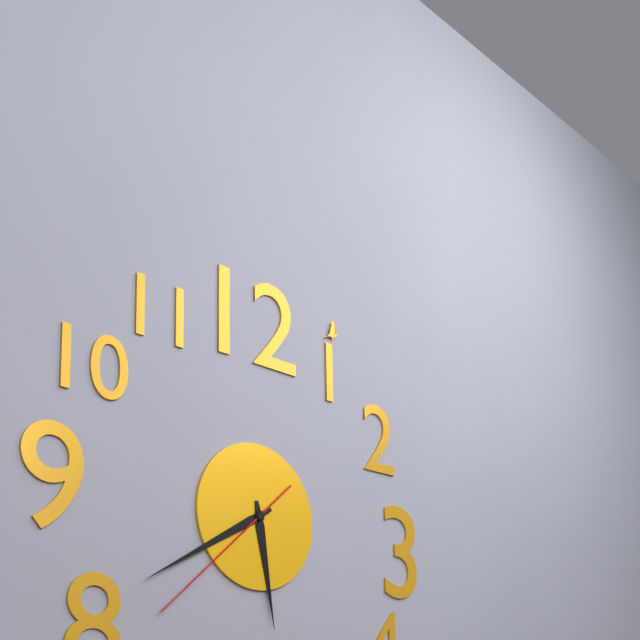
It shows 5 h 40 min 38 s
